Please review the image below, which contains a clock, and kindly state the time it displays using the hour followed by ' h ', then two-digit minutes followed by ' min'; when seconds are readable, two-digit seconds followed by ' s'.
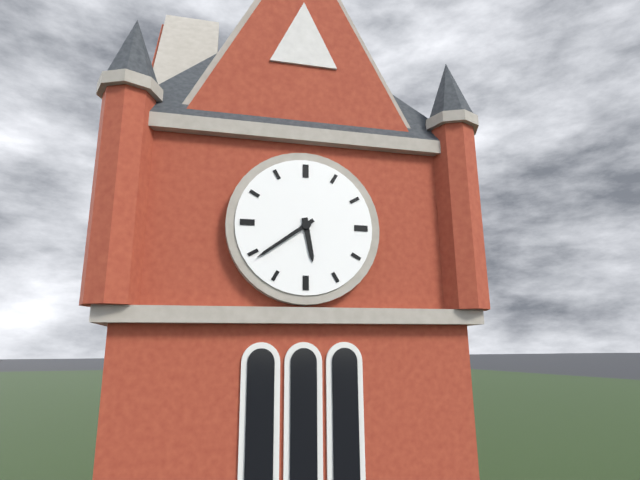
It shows 5 h 39 min
